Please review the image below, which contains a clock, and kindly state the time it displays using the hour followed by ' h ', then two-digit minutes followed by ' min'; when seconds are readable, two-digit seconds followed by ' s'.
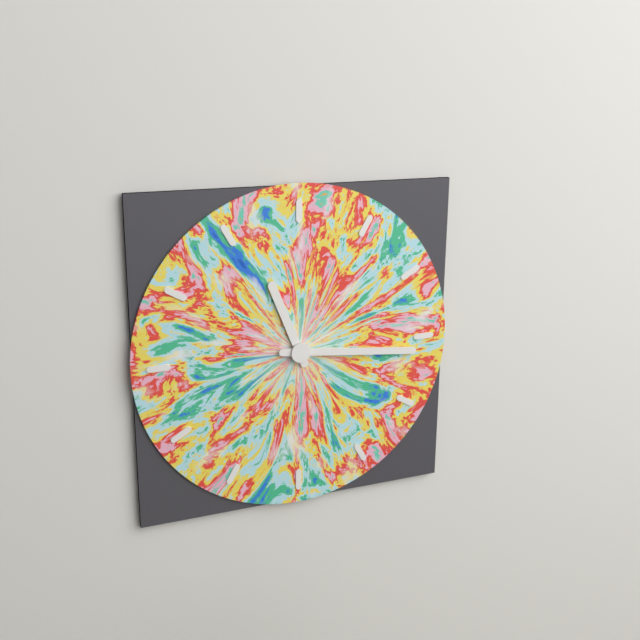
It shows 11 h 16 min
